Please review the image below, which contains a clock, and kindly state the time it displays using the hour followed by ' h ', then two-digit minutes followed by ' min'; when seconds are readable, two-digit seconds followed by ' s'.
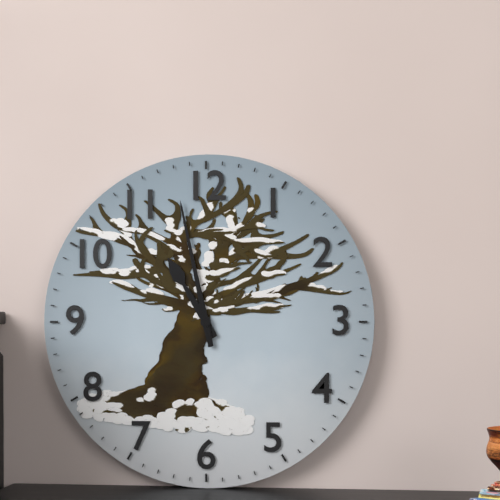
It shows 10 h 58 min
